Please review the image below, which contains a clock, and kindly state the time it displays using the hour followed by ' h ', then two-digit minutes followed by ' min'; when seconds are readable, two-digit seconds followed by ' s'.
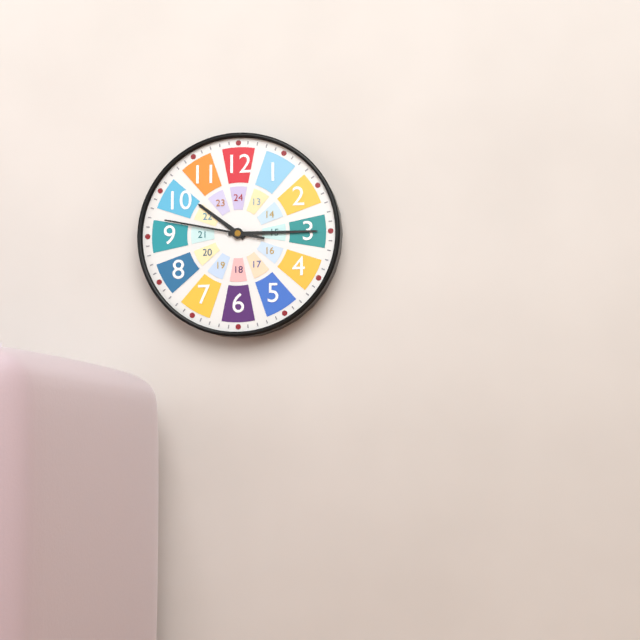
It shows 10 h 15 min 47 s
